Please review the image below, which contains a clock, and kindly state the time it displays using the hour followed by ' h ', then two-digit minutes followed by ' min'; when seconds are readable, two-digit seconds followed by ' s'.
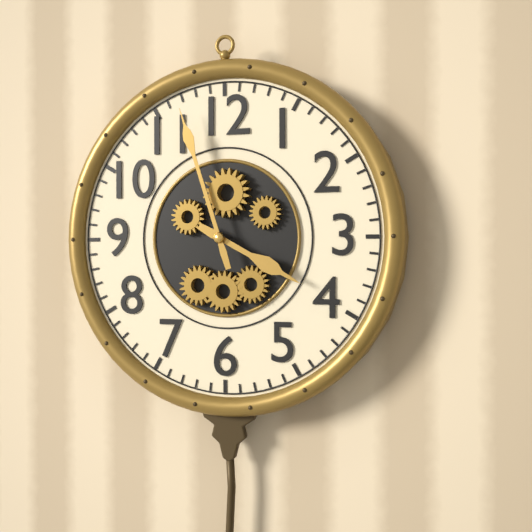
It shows 3 h 57 min
